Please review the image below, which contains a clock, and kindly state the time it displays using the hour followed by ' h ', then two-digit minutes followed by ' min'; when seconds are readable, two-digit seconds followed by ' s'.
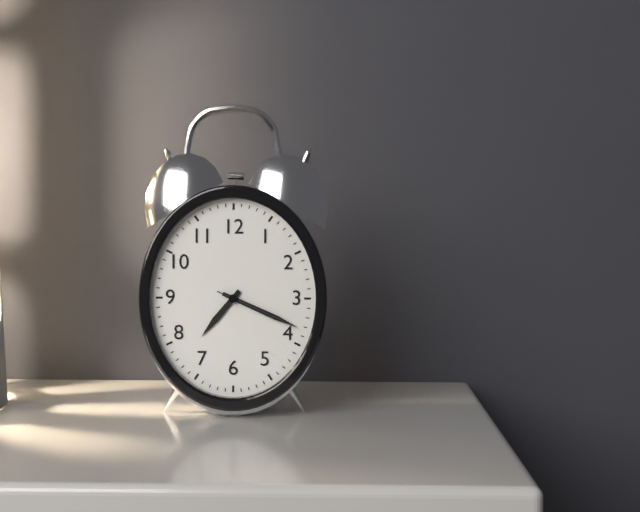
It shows 7 h 19 min 19 s
